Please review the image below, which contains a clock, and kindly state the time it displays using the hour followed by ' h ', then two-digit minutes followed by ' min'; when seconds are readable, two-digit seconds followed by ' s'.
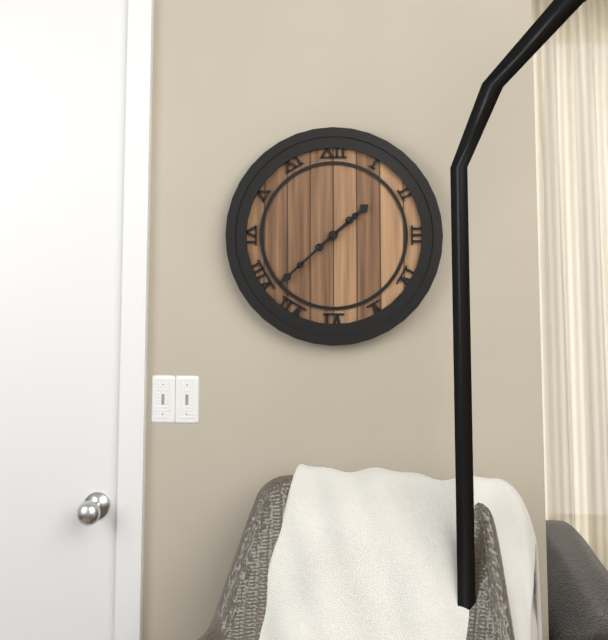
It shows 1 h 38 min
